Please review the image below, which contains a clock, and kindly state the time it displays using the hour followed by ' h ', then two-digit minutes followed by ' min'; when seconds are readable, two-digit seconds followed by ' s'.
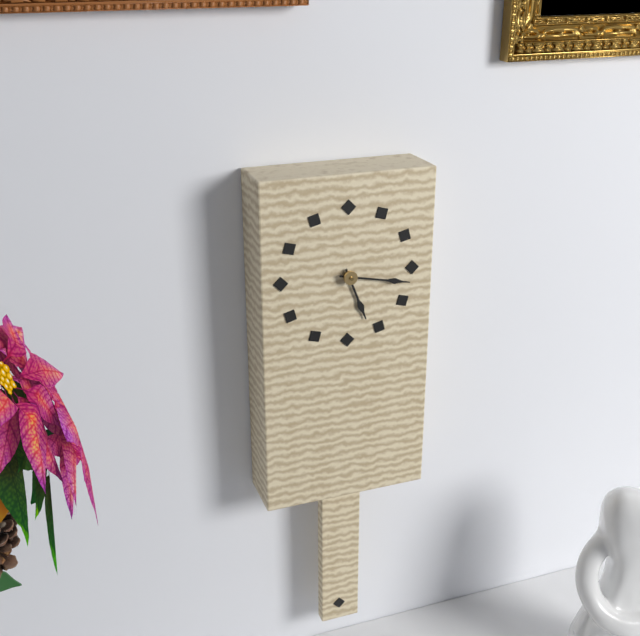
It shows 5 h 17 min
